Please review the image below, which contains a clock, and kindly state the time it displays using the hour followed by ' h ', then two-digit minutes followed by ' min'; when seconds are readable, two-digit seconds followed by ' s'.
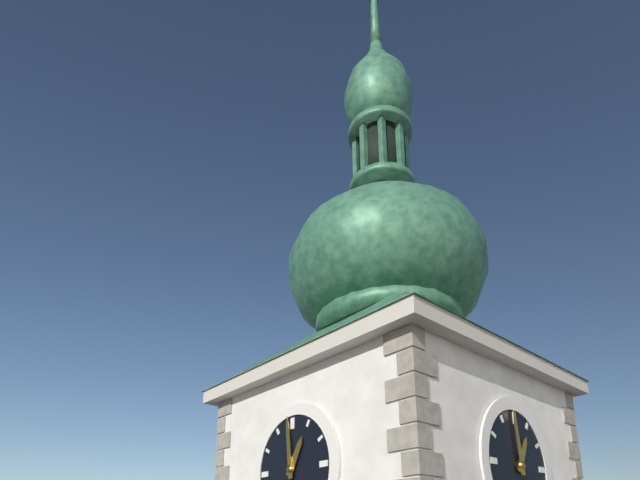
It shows 12 h 59 min
